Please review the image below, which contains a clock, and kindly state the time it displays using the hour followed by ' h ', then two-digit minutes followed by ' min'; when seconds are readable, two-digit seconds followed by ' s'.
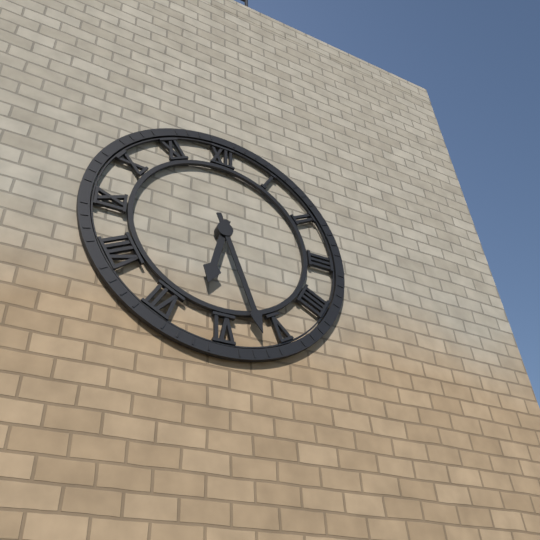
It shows 6 h 27 min
